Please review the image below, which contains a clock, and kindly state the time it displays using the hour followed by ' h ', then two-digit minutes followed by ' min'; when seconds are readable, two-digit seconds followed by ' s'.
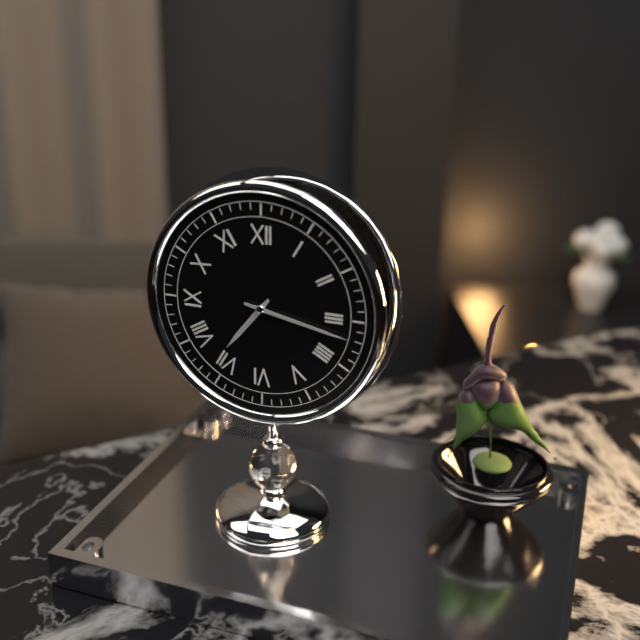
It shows 7 h 17 min
